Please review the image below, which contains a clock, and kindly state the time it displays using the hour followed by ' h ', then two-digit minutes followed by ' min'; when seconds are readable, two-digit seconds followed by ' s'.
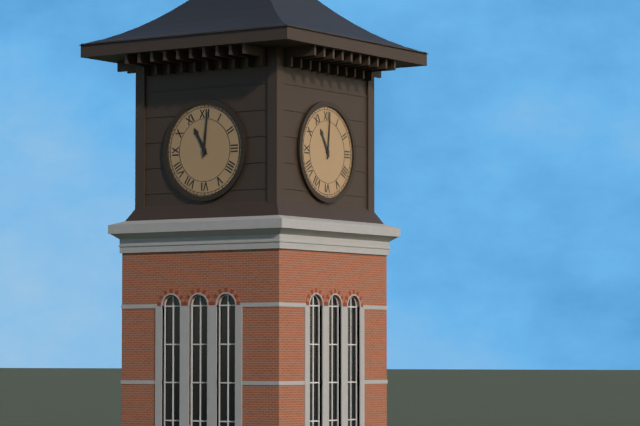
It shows 11 h 01 min
